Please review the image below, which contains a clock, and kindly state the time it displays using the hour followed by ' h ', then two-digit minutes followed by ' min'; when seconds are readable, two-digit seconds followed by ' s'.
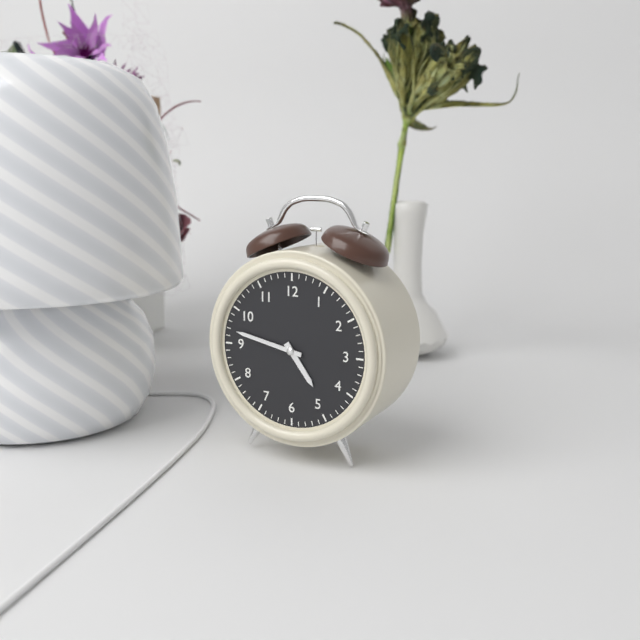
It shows 4 h 47 min
